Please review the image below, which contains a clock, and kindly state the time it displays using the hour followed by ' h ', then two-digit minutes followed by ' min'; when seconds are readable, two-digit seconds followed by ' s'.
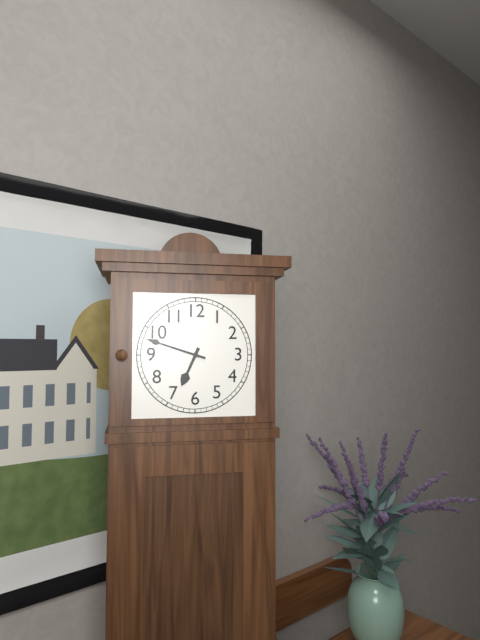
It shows 6 h 48 min
